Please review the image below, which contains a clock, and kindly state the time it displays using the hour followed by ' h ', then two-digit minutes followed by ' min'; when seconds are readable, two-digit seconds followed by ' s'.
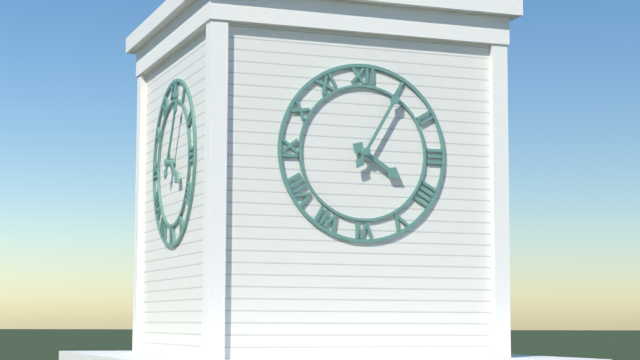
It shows 4 h 05 min
